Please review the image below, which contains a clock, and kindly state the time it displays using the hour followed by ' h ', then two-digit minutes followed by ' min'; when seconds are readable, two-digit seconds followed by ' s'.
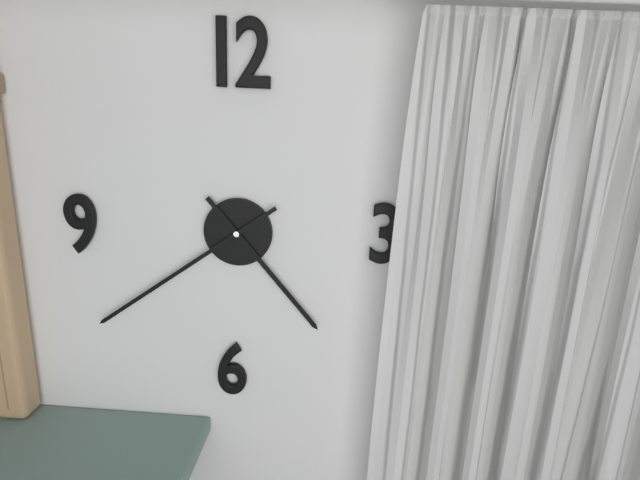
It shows 4 h 39 min
